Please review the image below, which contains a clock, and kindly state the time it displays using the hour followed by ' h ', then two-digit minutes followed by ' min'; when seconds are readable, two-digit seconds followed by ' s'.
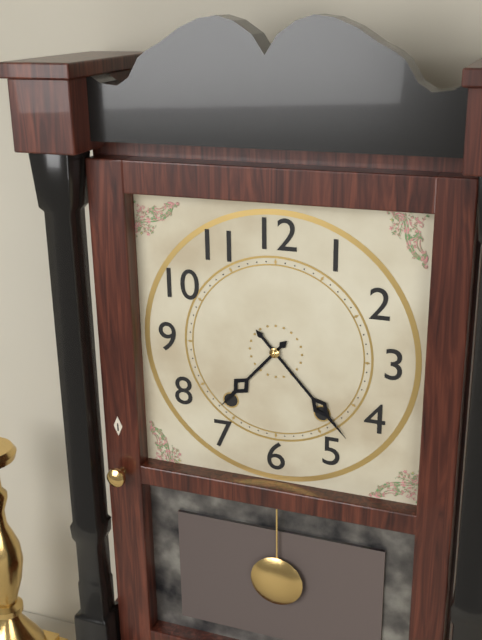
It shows 7 h 23 min
